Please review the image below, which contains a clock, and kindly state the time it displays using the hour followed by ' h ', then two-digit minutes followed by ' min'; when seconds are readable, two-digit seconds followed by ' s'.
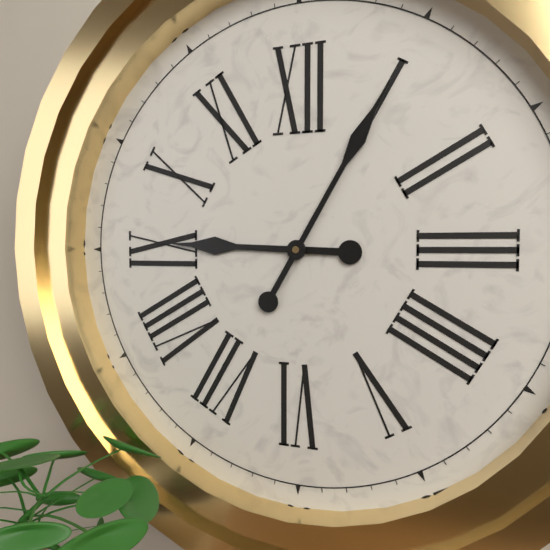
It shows 9 h 05 min
